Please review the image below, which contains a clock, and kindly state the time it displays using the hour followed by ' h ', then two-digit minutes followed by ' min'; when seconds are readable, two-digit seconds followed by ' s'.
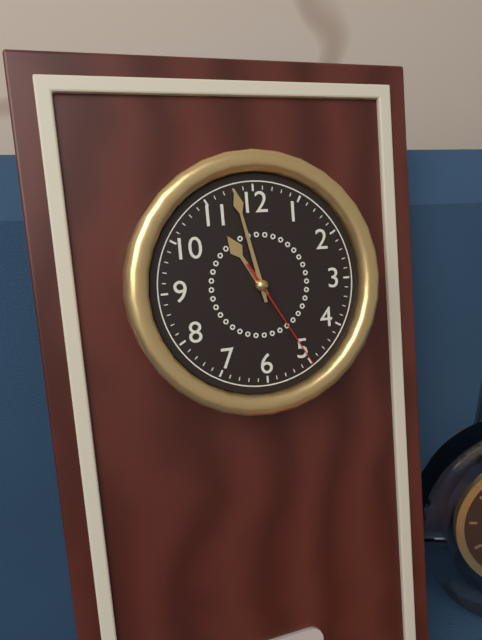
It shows 10 h 58 min 25 s
